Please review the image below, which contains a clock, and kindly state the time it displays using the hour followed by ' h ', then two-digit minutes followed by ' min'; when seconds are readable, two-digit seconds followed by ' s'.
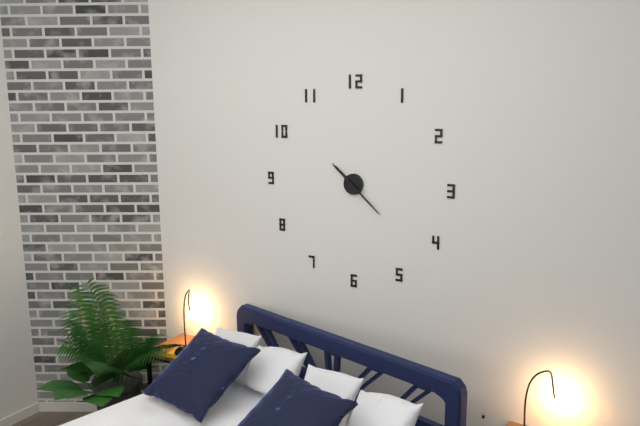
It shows 10 h 22 min
